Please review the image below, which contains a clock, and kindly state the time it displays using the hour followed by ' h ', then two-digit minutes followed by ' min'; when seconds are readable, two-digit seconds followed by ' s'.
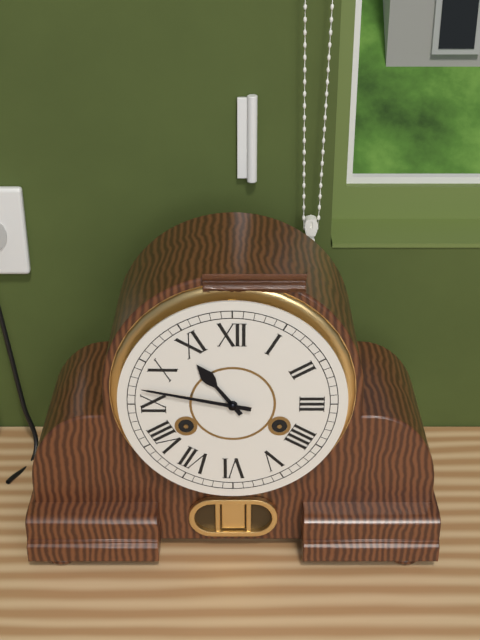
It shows 10 h 47 min
